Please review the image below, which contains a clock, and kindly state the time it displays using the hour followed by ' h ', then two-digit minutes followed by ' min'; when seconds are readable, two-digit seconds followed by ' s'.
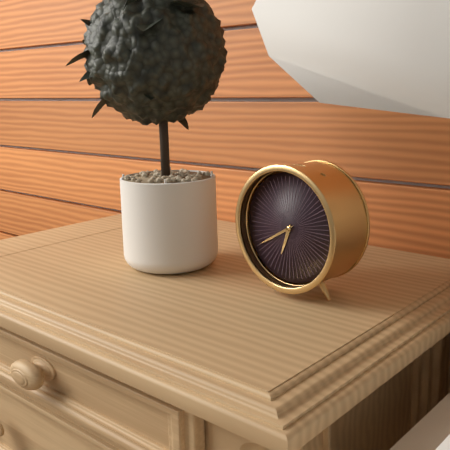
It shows 6 h 40 min
